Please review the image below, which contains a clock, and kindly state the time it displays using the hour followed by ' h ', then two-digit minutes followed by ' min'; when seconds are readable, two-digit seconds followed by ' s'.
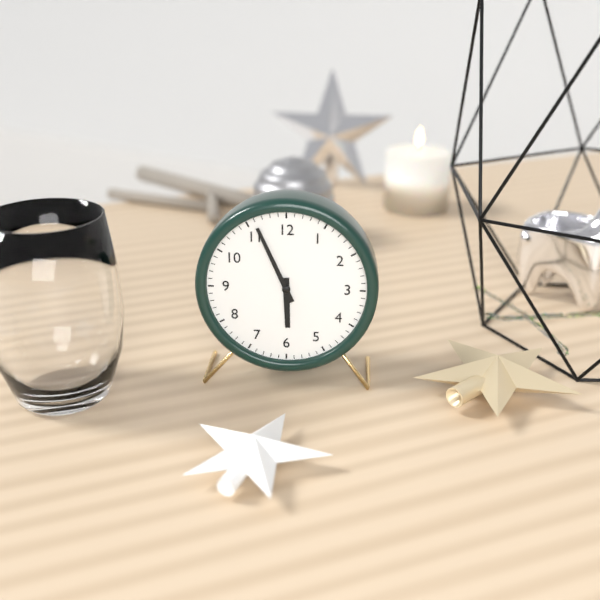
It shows 5 h 56 min
